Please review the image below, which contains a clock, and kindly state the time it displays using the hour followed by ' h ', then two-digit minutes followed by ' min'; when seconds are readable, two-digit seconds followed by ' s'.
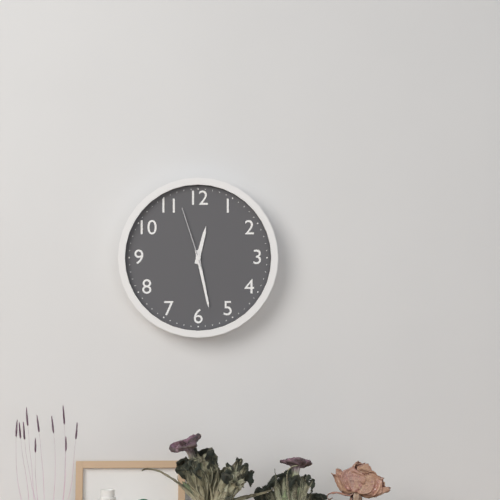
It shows 12 h 28 min 57 s
